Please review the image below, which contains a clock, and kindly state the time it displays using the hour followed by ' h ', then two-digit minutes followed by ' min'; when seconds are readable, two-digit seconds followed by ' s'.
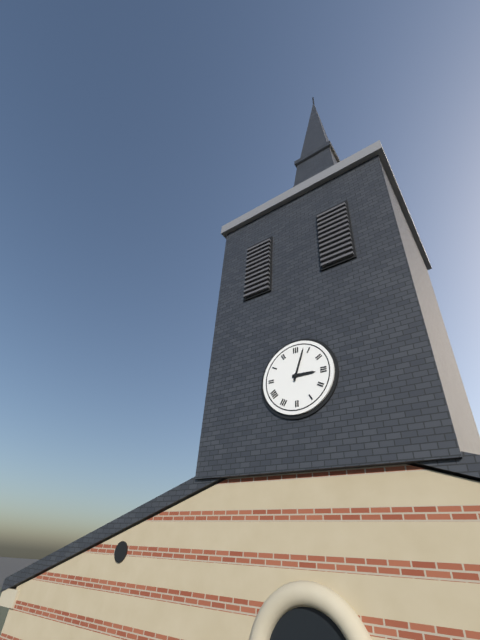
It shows 3 h 03 min
